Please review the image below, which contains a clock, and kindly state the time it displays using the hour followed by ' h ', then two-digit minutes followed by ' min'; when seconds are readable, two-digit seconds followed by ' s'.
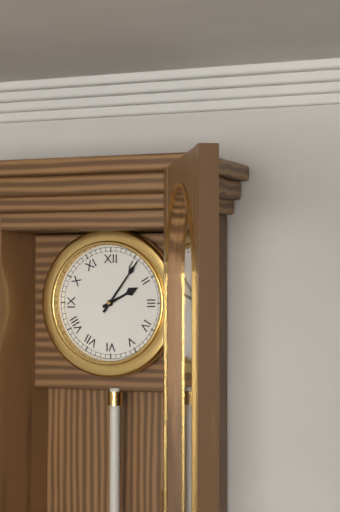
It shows 2 h 06 min
